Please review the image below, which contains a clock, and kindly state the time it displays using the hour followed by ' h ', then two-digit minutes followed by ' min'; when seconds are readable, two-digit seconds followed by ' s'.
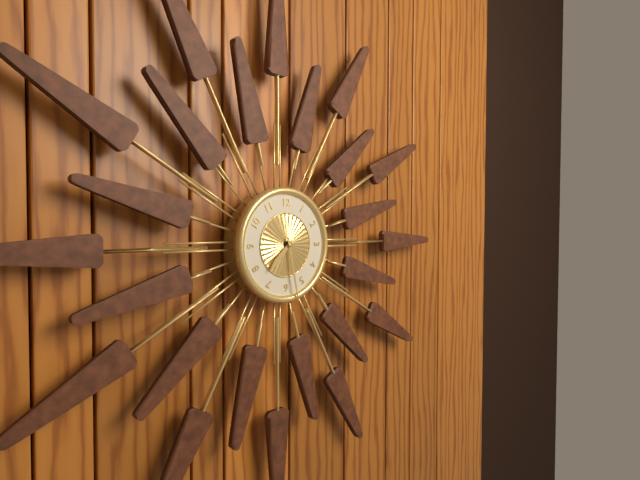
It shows 7 h 28 min
